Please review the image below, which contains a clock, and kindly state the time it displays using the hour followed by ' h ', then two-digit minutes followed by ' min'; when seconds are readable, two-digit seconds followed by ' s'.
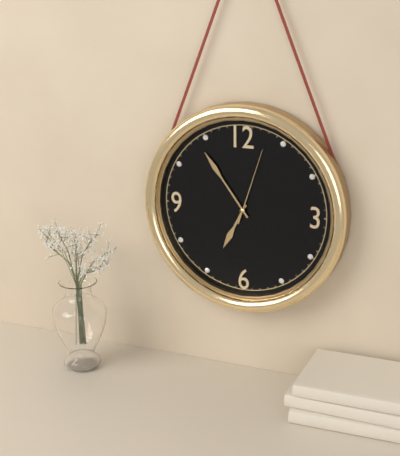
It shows 6 h 54 min 03 s
